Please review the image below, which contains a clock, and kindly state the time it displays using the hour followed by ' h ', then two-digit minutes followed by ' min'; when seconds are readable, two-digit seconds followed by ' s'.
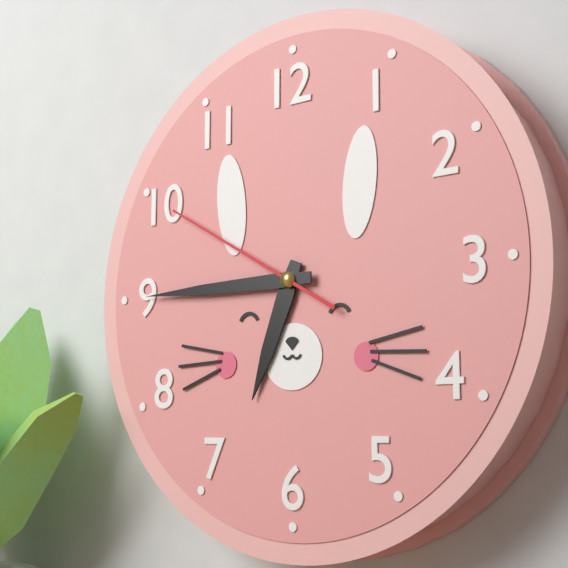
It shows 6 h 45 min 50 s
